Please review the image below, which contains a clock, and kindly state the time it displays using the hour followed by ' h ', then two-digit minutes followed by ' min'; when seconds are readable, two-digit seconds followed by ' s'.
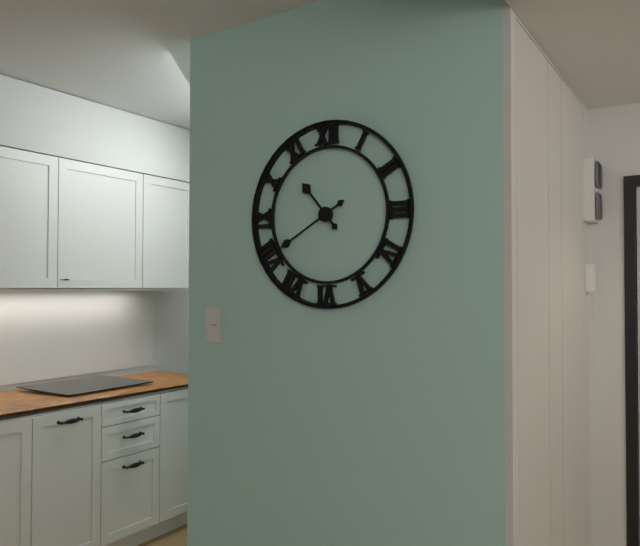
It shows 10 h 40 min
